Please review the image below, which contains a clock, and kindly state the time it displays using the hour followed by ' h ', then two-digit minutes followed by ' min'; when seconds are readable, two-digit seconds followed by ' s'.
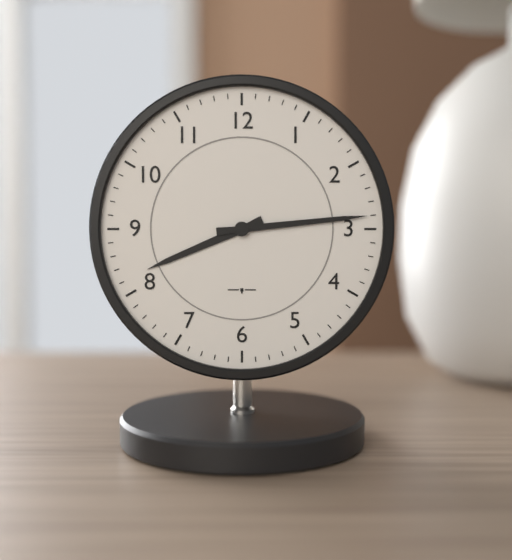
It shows 8 h 14 min
